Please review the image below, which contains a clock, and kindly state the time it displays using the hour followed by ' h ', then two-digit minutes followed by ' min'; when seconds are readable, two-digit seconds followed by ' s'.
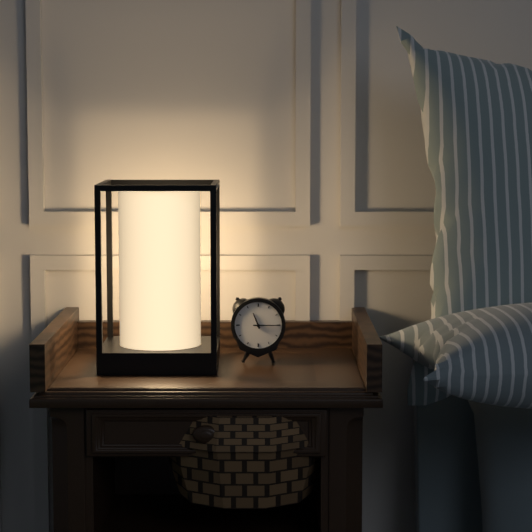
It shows 11 h 15 min
